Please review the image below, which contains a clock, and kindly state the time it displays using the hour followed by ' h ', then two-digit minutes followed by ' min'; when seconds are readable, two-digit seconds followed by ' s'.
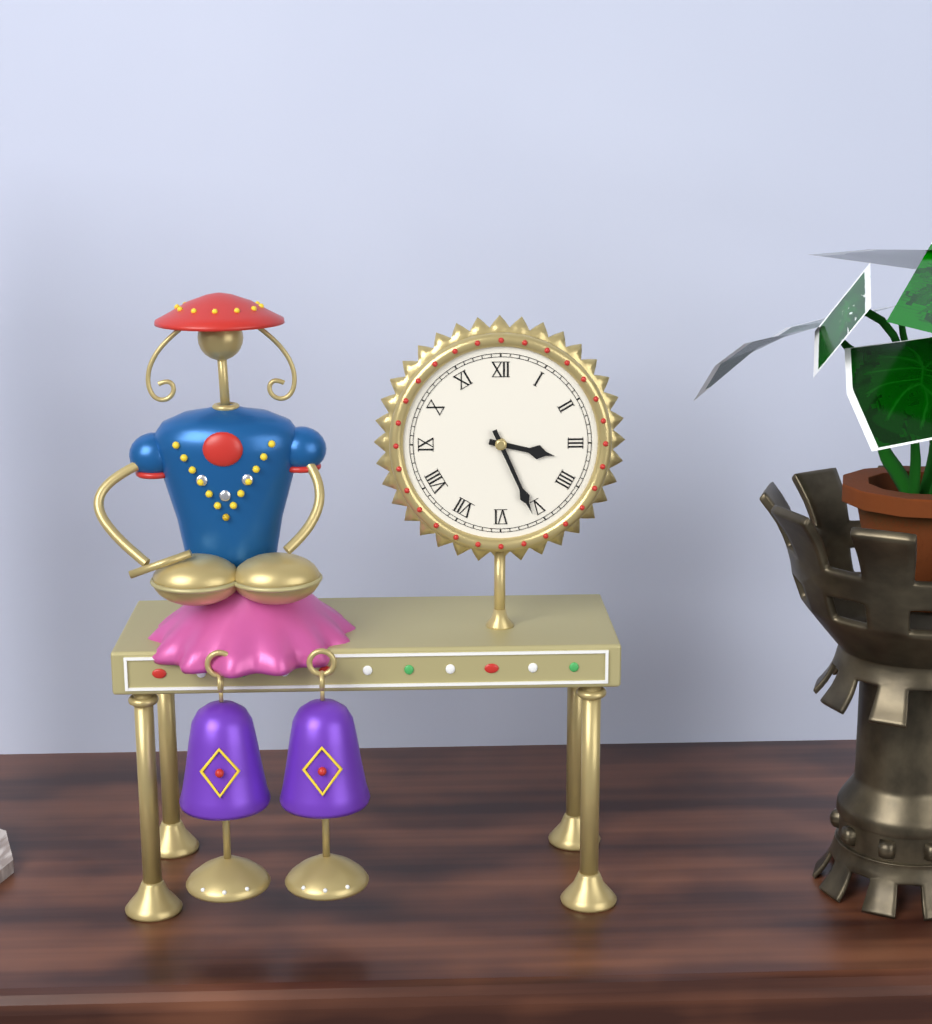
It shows 3 h 26 min
